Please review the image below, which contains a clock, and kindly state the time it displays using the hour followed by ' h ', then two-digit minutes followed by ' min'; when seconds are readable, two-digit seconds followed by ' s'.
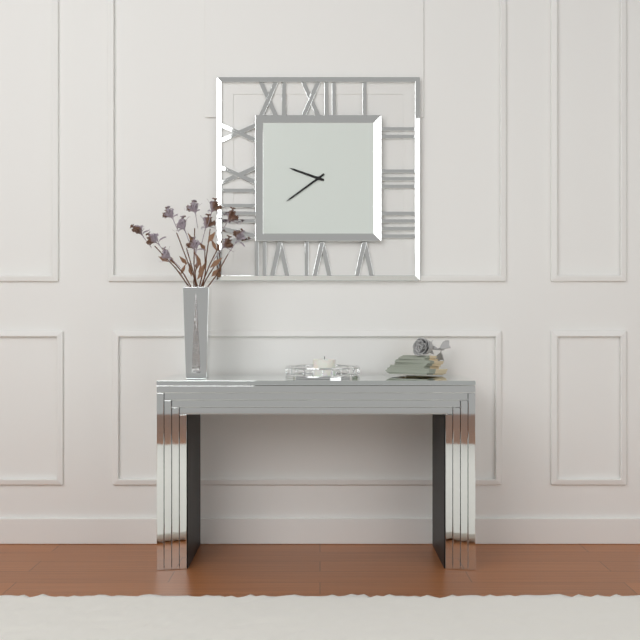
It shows 9 h 39 min
